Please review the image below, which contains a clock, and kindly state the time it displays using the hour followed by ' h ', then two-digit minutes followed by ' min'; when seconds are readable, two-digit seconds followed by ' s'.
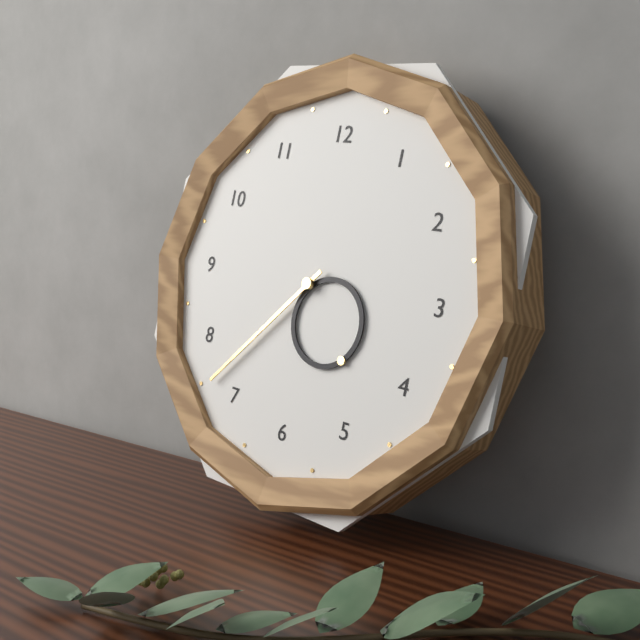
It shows 4 h 37 min
